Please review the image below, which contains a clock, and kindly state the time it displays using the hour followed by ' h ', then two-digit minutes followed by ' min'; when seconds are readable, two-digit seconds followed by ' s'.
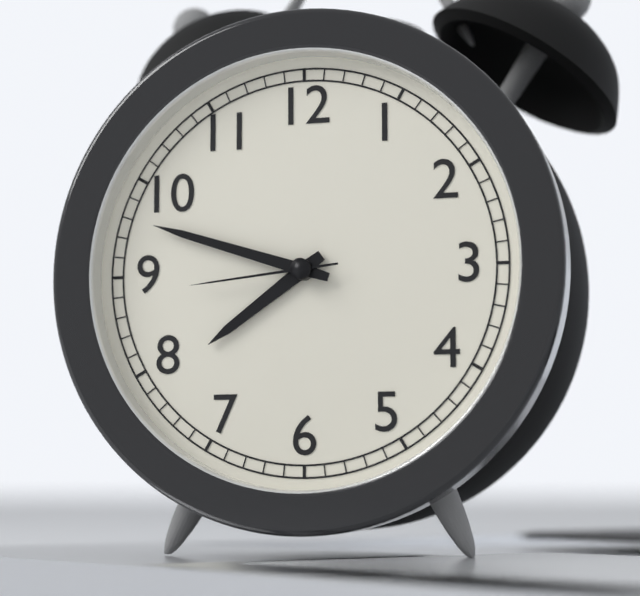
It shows 7 h 48 min 44 s
